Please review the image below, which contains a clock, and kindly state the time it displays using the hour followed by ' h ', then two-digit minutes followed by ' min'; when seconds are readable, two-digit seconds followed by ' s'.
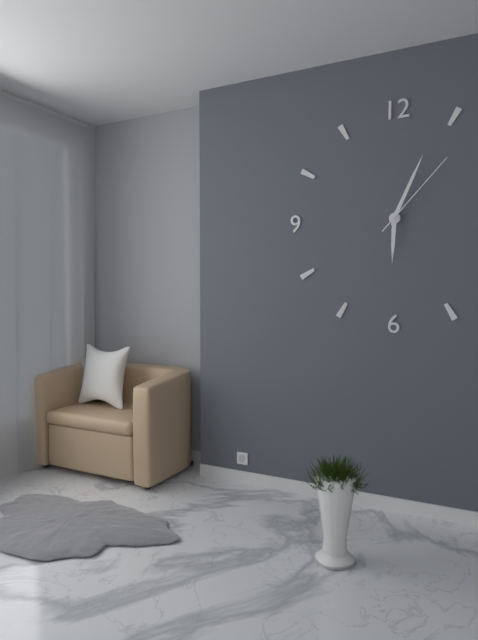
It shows 6 h 04 min 07 s
